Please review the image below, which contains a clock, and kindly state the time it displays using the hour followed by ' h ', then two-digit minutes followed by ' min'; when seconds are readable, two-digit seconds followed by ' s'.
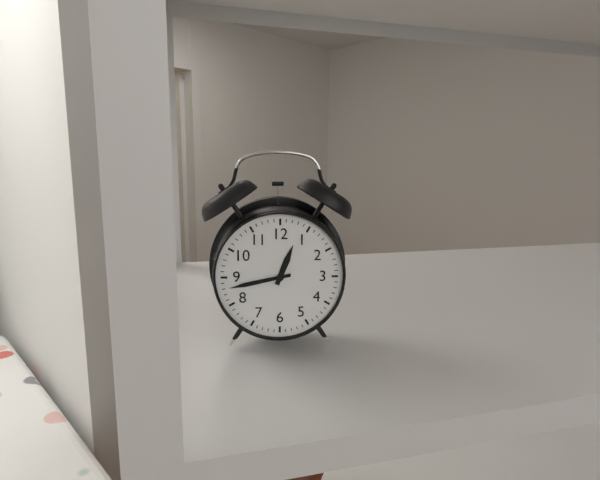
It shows 12 h 43 min
